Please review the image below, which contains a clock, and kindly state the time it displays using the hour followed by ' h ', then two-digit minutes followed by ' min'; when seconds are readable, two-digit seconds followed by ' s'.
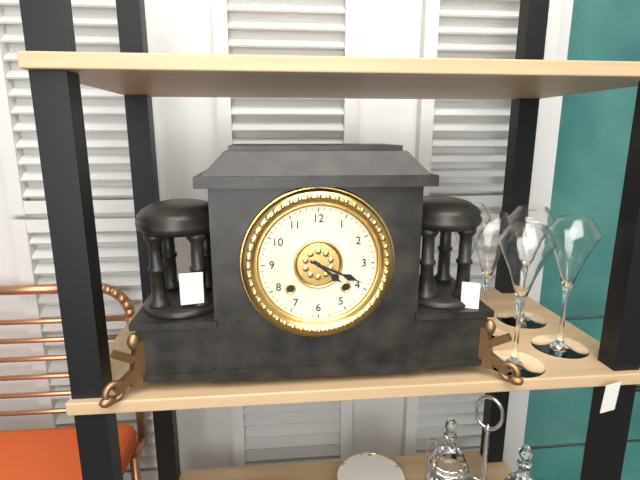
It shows 4 h 19 min
